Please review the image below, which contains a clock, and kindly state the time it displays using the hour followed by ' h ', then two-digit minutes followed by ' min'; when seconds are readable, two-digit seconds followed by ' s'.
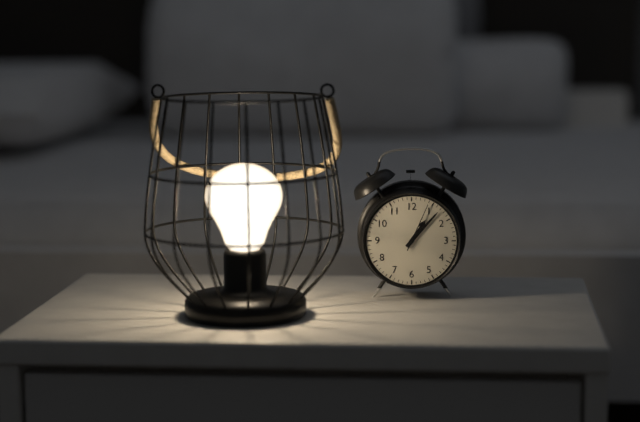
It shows 1 h 07 min 04 s
